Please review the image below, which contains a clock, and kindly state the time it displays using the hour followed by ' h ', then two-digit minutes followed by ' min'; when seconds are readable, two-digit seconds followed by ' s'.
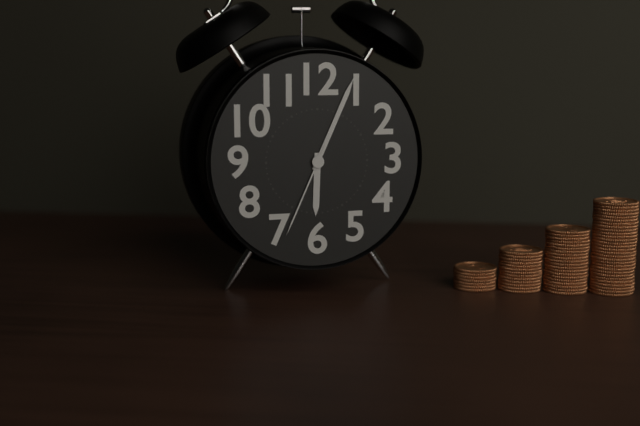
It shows 6 h 04 min 34 s
